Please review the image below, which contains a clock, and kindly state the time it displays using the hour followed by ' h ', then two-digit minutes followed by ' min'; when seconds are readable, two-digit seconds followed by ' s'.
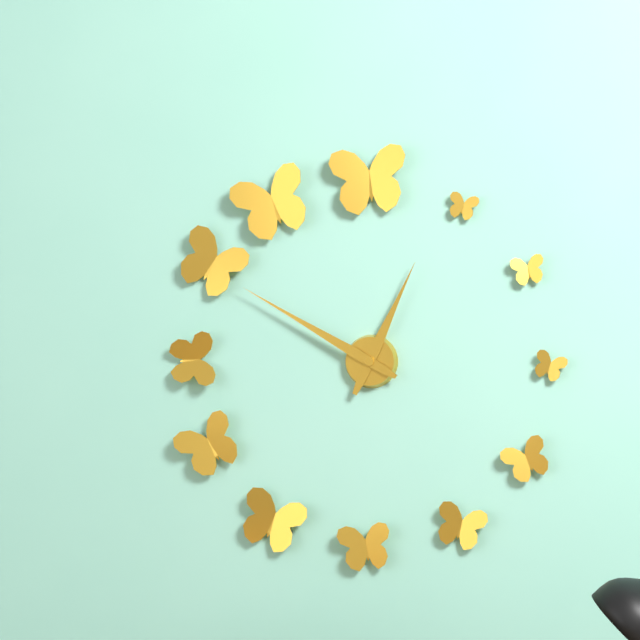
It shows 12 h 50 min
